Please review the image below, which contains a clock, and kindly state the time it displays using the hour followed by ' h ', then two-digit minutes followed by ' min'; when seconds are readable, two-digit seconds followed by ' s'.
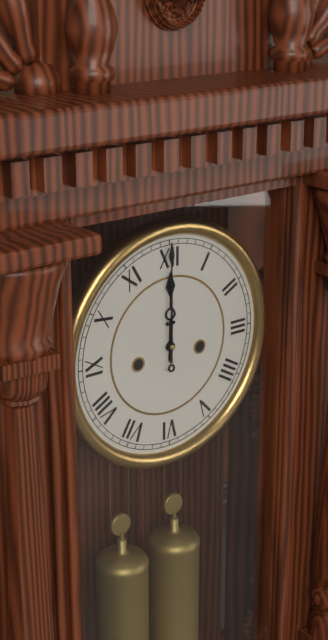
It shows 12 h 00 min
